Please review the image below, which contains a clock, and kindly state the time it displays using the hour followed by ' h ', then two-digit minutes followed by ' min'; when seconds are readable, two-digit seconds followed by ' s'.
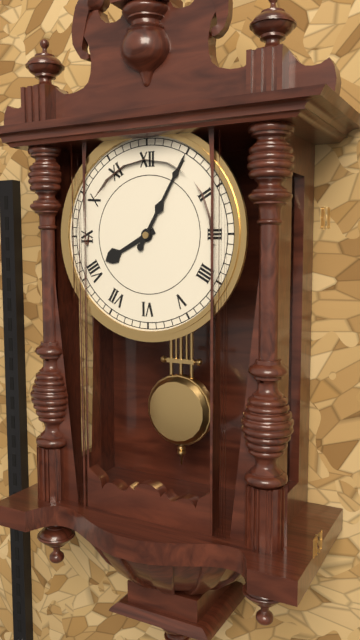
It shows 8 h 05 min
